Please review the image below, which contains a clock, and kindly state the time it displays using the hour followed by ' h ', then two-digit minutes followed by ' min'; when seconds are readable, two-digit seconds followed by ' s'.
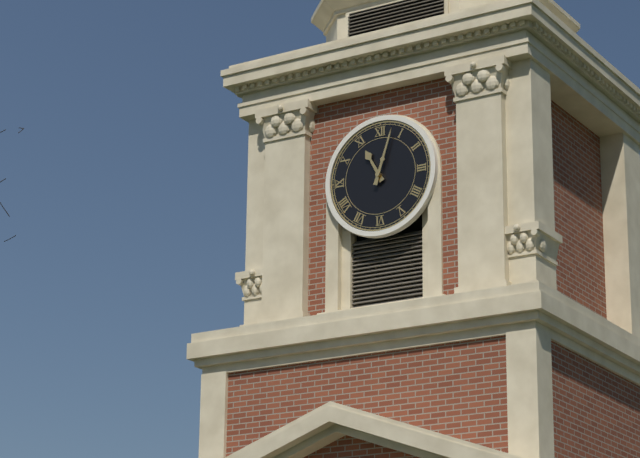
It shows 11 h 03 min
